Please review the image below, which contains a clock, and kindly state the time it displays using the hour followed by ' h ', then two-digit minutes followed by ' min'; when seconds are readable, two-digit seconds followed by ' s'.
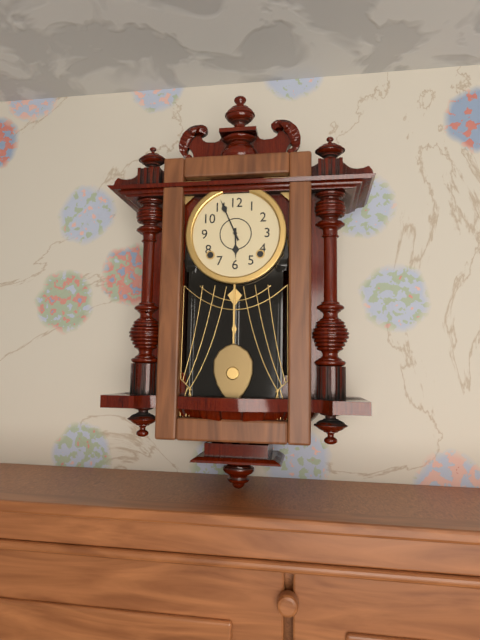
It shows 5 h 56 min
